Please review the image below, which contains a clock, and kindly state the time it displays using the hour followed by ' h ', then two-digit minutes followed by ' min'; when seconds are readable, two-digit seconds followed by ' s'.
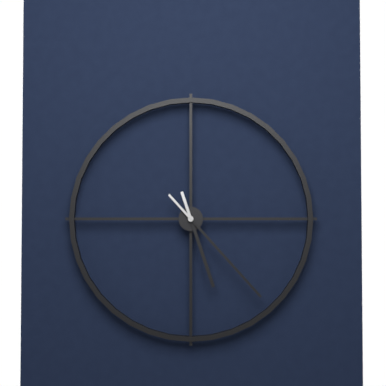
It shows 5 h 23 min
